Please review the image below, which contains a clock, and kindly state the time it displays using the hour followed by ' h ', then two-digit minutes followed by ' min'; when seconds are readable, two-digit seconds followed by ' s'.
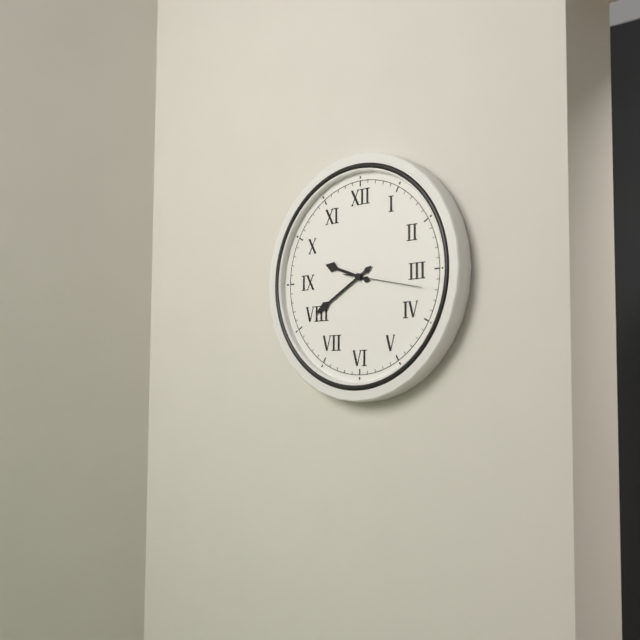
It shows 9 h 40 min 17 s
